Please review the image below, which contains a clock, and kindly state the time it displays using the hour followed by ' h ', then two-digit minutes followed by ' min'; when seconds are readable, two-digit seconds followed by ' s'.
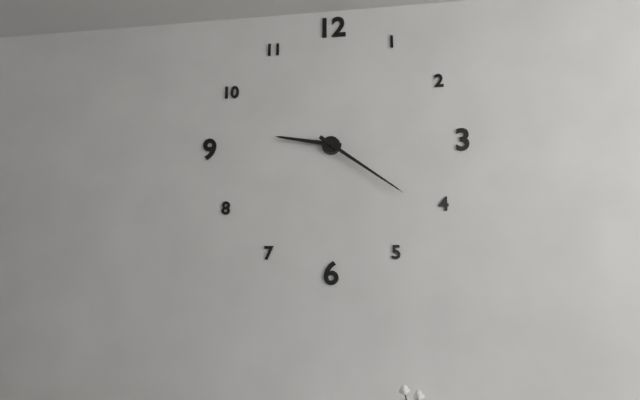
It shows 9 h 21 min
